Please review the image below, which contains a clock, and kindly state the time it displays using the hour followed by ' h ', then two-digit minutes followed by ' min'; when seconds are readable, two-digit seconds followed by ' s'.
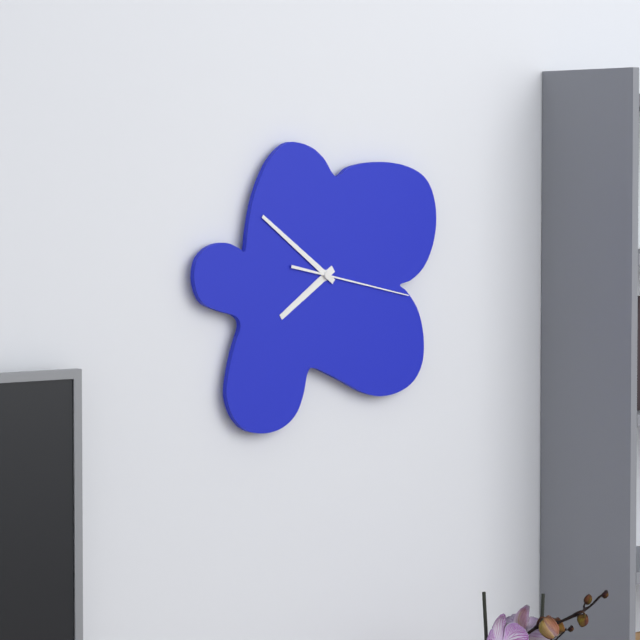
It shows 7 h 51 min 17 s
